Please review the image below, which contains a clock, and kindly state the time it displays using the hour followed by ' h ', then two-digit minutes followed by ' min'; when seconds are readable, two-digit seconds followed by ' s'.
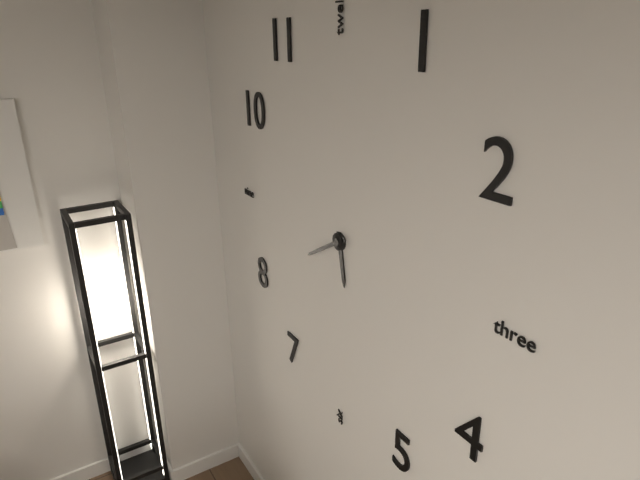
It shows 5 h 40 min
